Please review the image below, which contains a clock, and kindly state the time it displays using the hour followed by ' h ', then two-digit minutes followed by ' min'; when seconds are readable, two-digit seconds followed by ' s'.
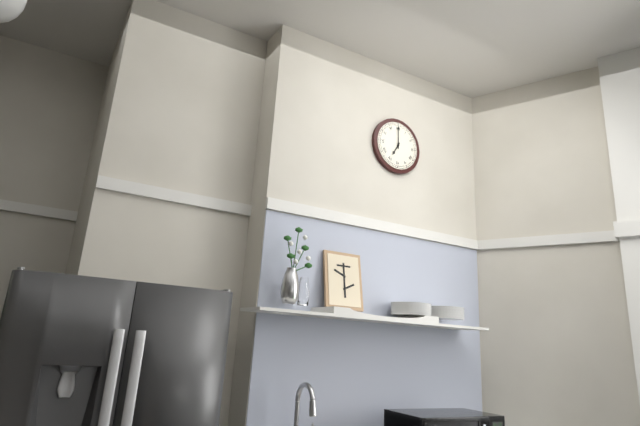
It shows 7 h 00 min
